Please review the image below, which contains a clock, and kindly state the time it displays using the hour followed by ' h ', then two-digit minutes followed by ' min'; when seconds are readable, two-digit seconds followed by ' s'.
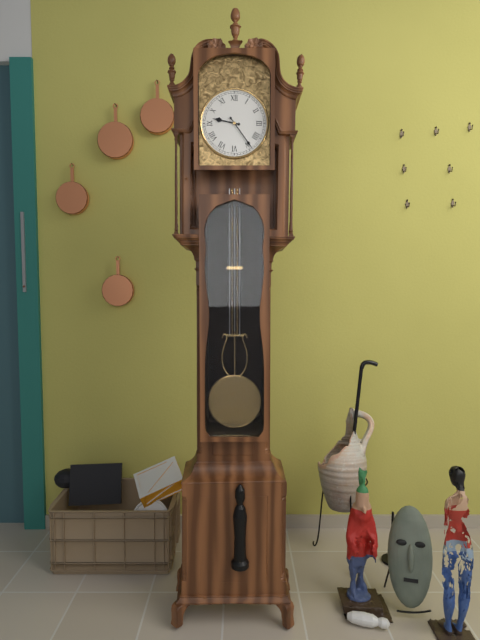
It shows 9 h 24 min
